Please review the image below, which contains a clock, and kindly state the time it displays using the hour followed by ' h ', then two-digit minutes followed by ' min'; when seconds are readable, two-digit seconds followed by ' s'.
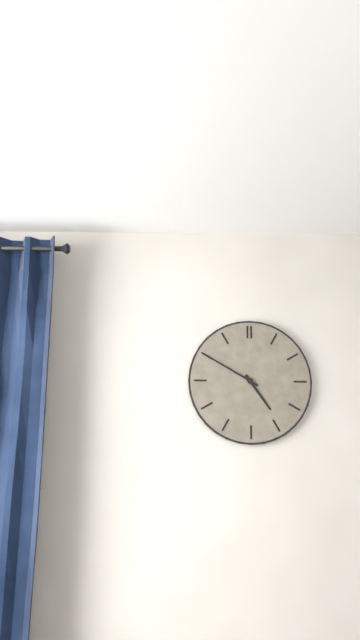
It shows 4 h 50 min
